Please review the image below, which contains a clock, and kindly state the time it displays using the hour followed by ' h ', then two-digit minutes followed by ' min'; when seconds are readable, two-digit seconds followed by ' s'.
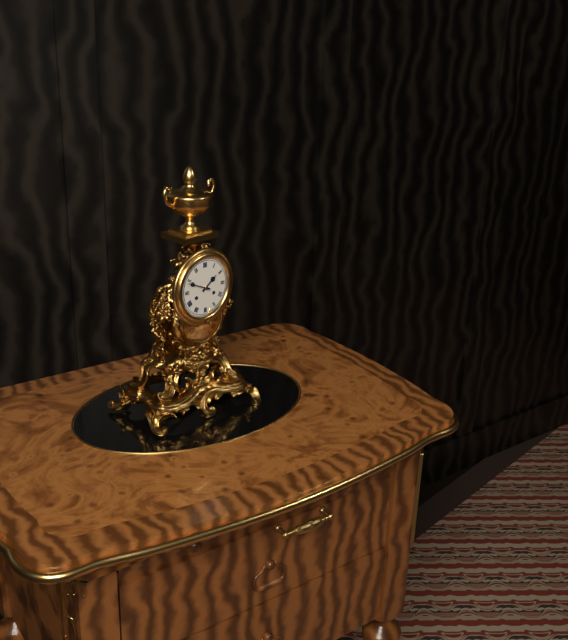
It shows 1 h 49 min
